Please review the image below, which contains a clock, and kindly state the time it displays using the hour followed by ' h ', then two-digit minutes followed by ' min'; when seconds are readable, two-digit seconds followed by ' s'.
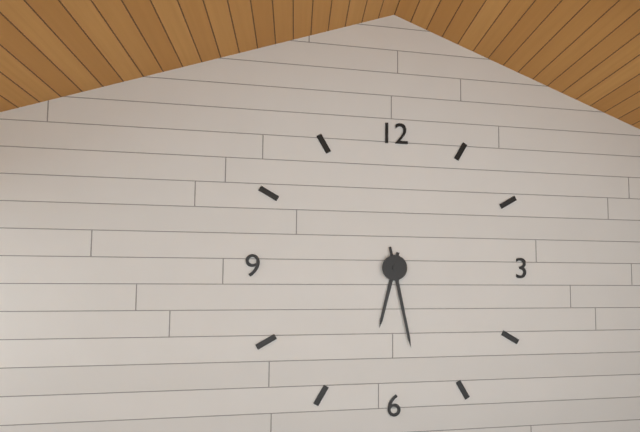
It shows 6 h 28 min
